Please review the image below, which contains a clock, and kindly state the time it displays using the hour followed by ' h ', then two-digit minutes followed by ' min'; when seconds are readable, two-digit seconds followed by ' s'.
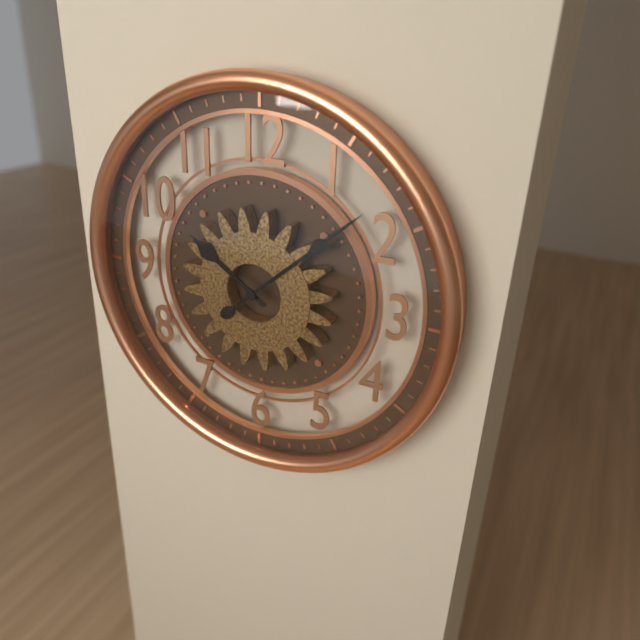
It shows 10 h 08 min
